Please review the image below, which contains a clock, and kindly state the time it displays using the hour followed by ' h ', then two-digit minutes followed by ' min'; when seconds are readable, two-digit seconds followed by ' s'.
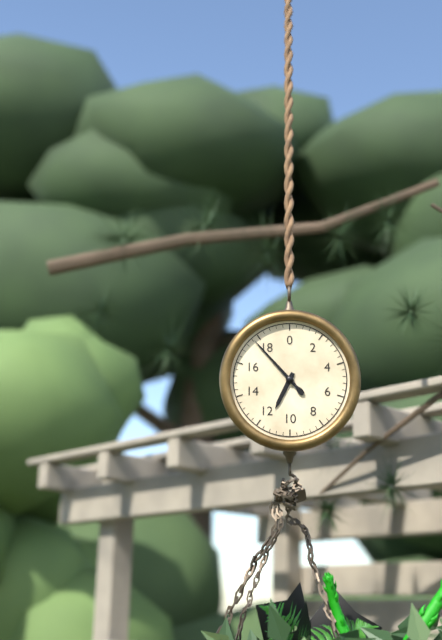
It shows 6 h 53 min
